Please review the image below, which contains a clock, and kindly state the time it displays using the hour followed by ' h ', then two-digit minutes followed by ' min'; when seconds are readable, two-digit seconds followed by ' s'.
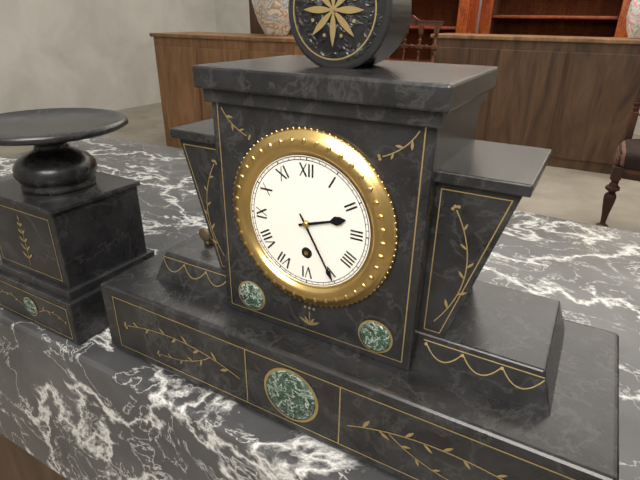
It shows 2 h 25 min
